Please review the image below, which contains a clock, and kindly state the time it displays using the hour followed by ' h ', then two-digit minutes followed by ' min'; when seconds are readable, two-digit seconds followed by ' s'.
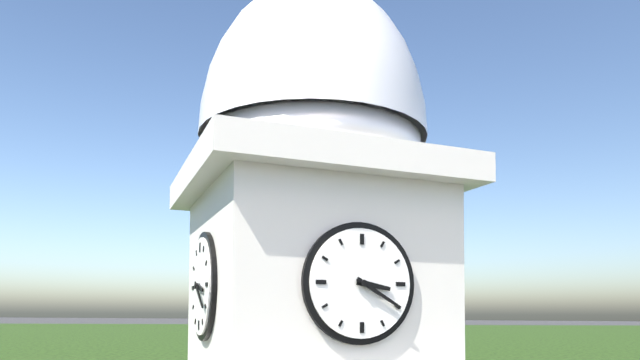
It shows 3 h 20 min
